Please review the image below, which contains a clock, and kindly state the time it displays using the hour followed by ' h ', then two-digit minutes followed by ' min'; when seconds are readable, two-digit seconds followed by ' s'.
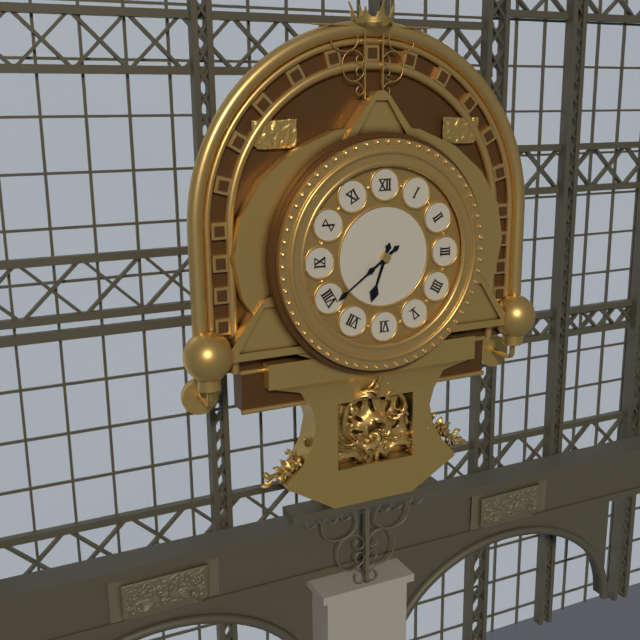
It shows 6 h 39 min
